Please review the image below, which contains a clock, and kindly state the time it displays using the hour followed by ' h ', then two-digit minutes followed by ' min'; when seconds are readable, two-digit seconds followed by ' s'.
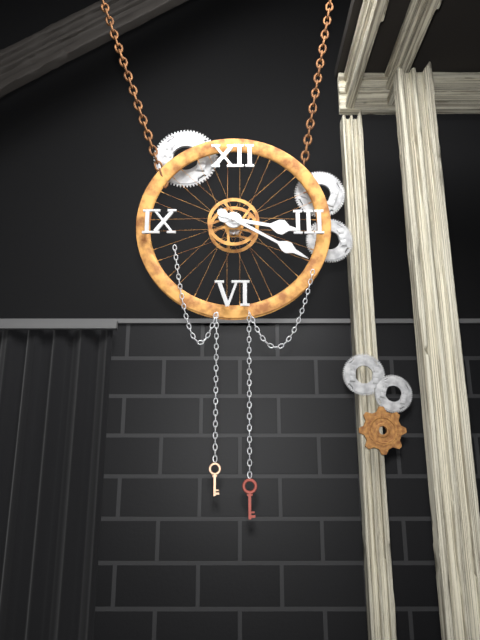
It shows 3 h 20 min
